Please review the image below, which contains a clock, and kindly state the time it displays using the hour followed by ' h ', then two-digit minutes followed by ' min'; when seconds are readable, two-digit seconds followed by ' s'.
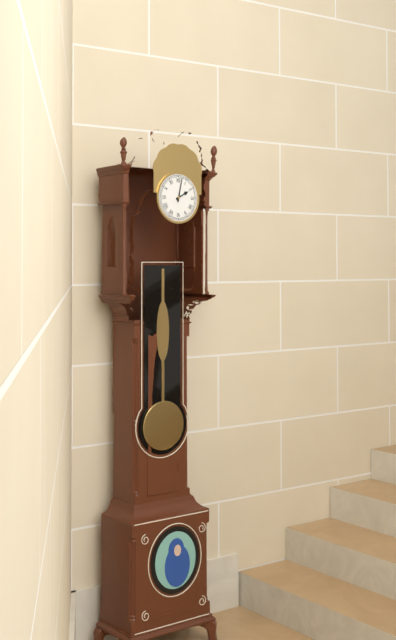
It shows 2 h 02 min
